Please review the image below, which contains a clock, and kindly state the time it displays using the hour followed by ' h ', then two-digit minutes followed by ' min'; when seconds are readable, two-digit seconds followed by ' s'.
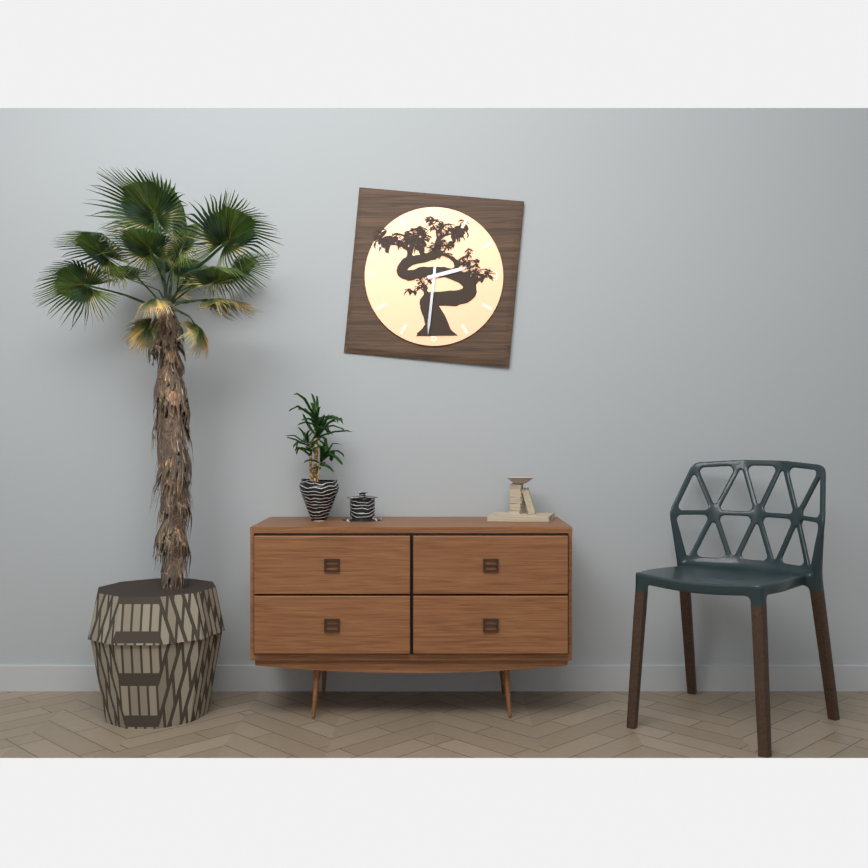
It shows 2 h 31 min
